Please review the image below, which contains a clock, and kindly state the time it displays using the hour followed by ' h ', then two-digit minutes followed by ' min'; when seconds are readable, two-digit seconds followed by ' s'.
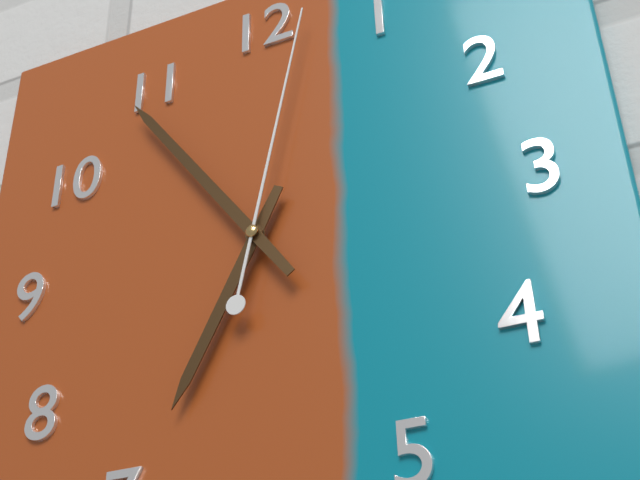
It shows 6 h 54 min 02 s
